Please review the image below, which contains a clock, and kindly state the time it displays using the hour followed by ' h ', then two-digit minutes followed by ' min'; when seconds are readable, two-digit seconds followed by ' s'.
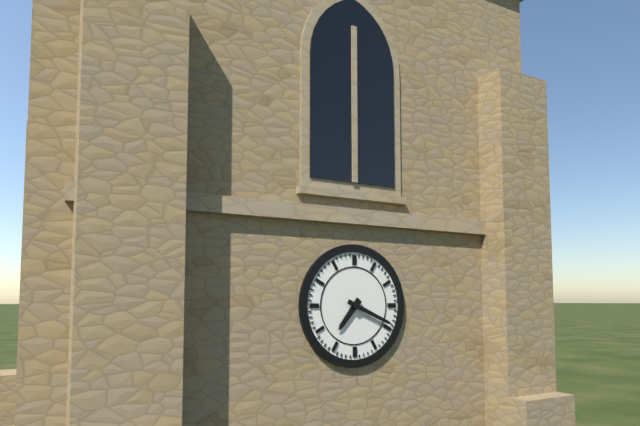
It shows 7 h 19 min
